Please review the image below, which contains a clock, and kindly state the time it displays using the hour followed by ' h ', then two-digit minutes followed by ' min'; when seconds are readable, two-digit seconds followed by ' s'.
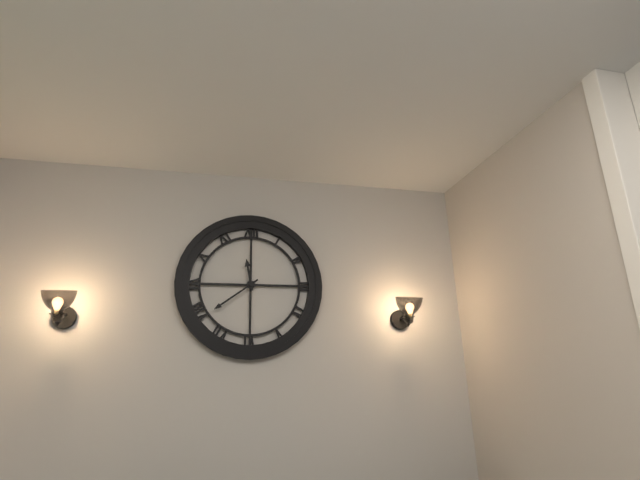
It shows 11 h 39 min
